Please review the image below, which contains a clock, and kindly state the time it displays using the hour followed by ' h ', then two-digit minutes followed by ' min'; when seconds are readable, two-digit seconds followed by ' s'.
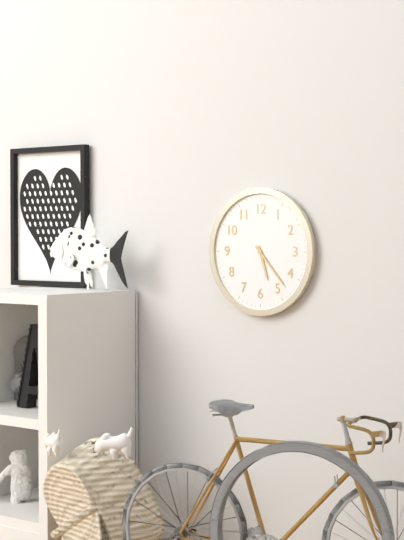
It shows 5 h 23 min
